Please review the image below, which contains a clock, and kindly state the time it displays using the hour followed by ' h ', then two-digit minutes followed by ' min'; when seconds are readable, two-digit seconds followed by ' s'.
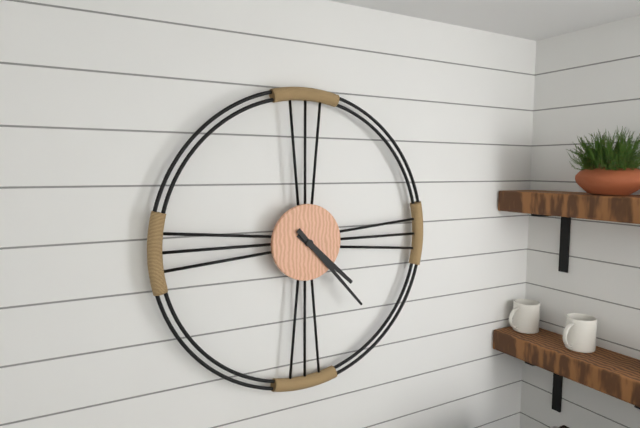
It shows 4 h 23 min
